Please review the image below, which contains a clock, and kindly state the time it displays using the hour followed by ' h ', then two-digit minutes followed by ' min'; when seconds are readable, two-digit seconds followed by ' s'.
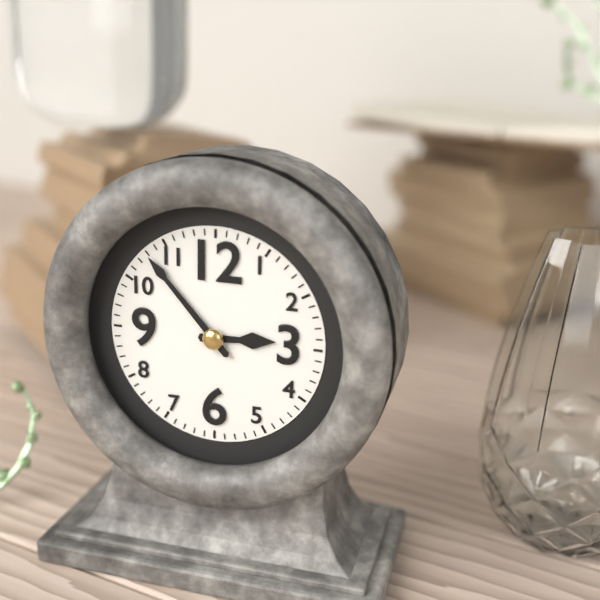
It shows 2 h 53 min
